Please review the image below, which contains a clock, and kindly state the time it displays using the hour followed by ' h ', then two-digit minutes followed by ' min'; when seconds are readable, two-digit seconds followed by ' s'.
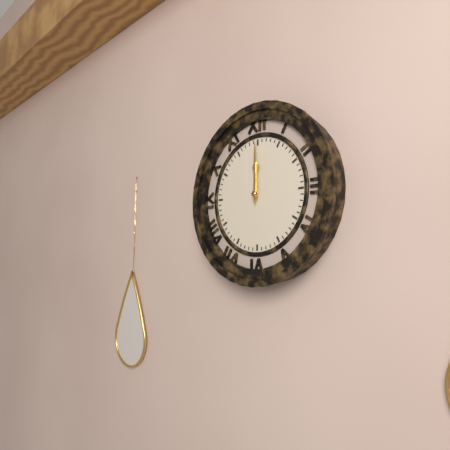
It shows 12 h 00 min
